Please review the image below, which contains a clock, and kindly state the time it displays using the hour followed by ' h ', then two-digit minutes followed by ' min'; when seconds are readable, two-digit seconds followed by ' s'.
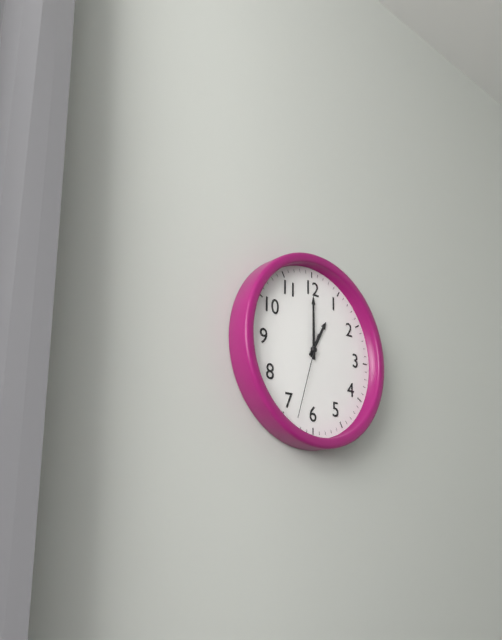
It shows 1 h 00 min 33 s
